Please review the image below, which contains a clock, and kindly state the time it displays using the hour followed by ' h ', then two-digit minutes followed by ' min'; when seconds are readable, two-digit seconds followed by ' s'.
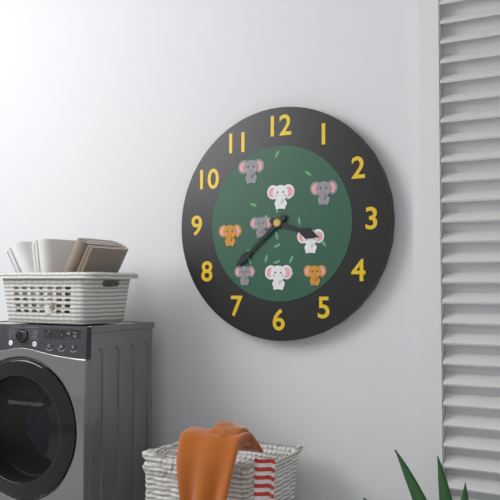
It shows 3 h 38 min
